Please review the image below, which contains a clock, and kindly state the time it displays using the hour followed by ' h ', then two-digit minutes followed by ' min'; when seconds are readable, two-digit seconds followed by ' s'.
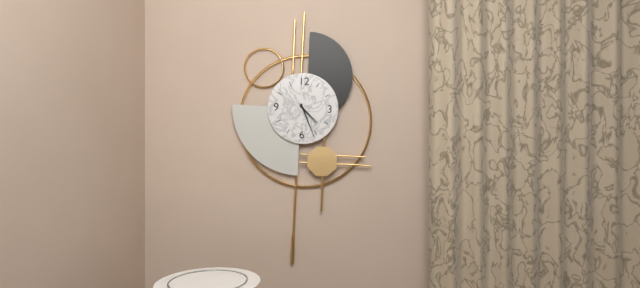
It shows 4 h 26 min
